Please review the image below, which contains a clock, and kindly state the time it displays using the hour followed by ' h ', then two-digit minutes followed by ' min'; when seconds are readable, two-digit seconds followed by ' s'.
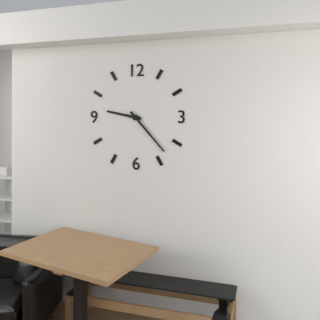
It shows 9 h 23 min
